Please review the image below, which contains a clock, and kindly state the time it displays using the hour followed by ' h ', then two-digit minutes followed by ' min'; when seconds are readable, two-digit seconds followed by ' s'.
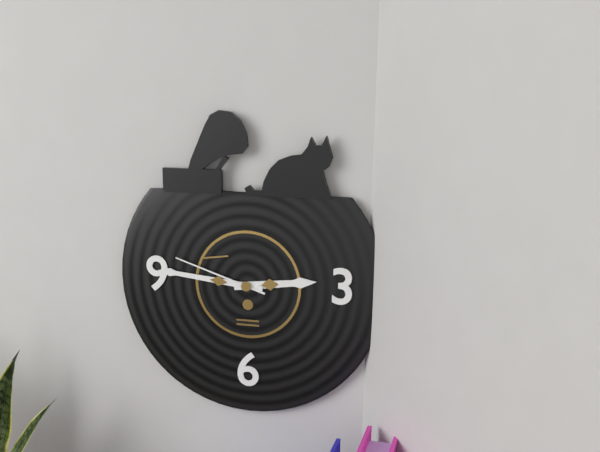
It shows 2 h 46 min 48 s
